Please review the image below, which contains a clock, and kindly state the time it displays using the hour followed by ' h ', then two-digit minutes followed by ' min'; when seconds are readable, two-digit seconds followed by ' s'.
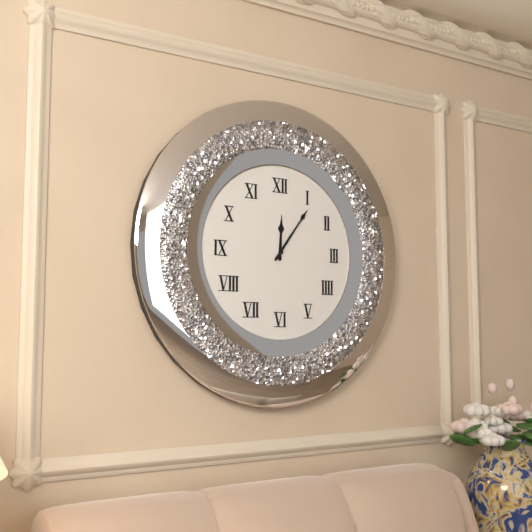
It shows 12 h 06 min
